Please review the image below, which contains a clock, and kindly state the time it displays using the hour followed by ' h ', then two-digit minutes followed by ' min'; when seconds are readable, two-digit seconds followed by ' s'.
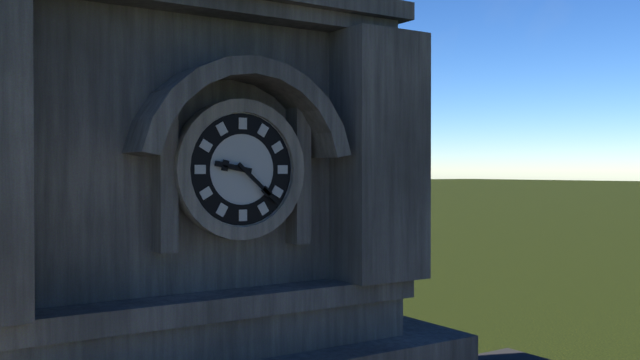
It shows 9 h 22 min
